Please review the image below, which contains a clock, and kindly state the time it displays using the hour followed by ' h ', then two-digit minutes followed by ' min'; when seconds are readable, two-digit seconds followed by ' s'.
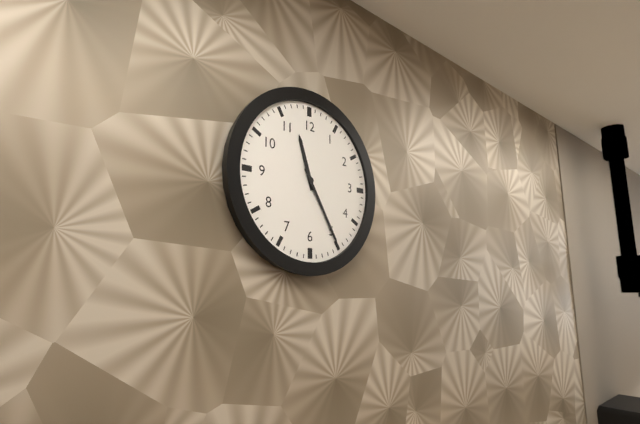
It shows 11 h 25 min
